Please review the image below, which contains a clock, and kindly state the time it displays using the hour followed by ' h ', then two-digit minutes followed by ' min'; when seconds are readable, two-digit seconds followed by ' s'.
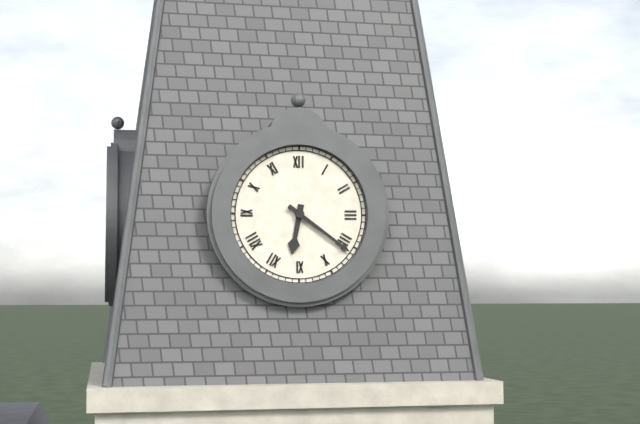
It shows 6 h 21 min
